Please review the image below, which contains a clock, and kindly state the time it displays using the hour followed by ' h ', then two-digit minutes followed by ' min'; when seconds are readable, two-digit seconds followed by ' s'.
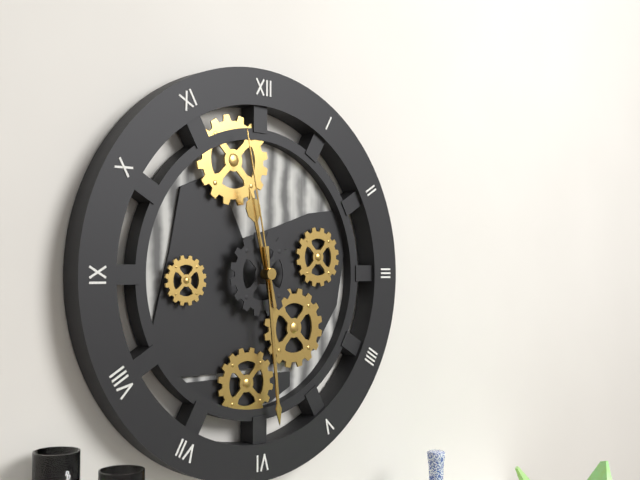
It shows 11 h 29 min 58 s
